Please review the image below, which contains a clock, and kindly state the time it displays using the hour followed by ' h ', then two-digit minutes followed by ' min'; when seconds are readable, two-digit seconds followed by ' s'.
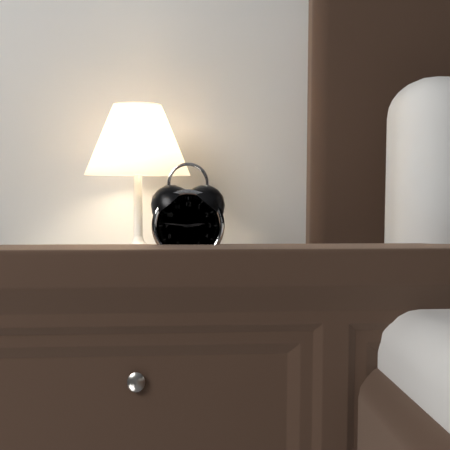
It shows 2 h 46 min
